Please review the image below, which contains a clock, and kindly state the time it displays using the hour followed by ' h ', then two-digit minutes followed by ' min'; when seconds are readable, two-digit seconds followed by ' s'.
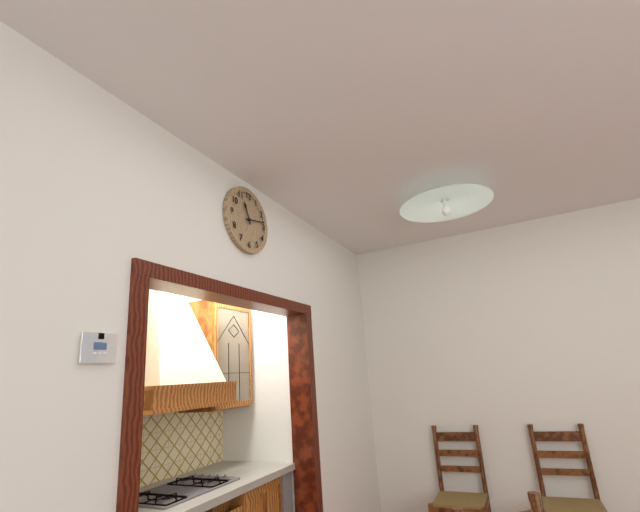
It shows 11 h 13 min
